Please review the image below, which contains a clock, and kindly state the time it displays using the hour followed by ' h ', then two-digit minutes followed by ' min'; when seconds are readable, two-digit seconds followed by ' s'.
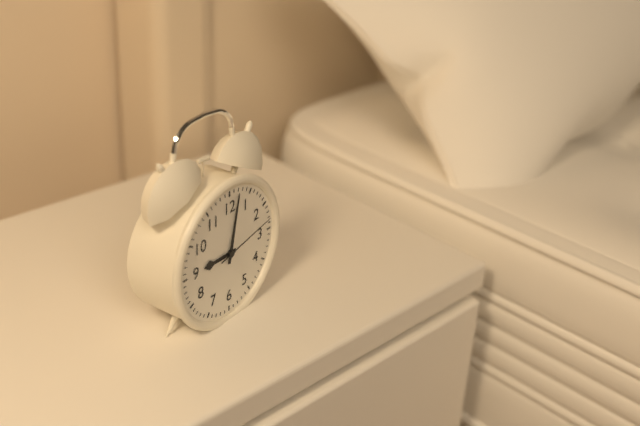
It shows 9 h 02 min 13 s
